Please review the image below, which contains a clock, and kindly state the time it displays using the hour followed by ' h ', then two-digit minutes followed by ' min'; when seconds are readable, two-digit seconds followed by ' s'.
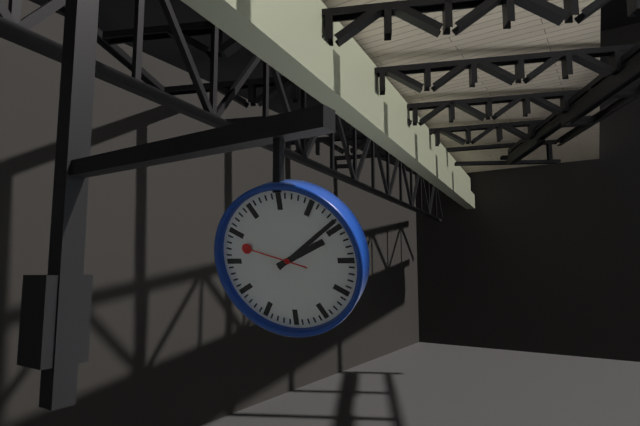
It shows 2 h 09 min 48 s
